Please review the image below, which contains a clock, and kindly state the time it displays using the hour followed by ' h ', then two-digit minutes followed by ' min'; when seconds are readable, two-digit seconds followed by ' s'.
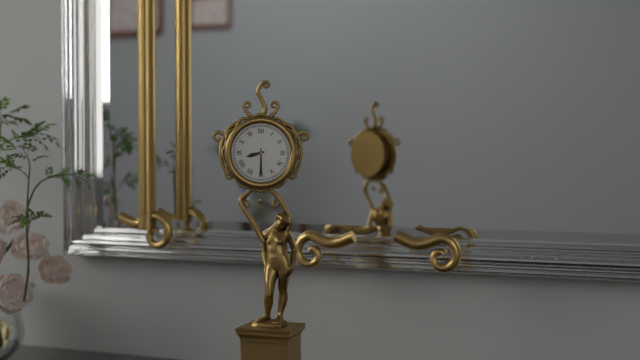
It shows 8 h 30 min
